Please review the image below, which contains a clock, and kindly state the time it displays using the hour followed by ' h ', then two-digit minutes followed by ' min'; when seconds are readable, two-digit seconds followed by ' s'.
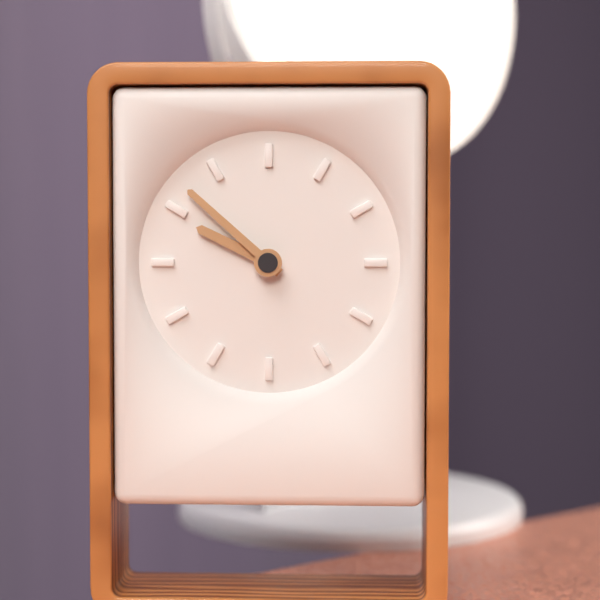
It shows 9 h 52 min
